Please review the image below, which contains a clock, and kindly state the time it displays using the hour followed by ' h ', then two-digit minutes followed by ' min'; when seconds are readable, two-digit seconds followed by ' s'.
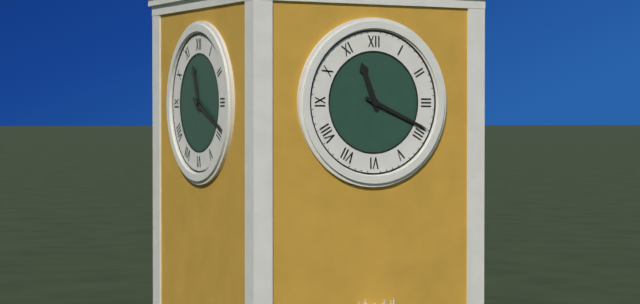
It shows 11 h 19 min
